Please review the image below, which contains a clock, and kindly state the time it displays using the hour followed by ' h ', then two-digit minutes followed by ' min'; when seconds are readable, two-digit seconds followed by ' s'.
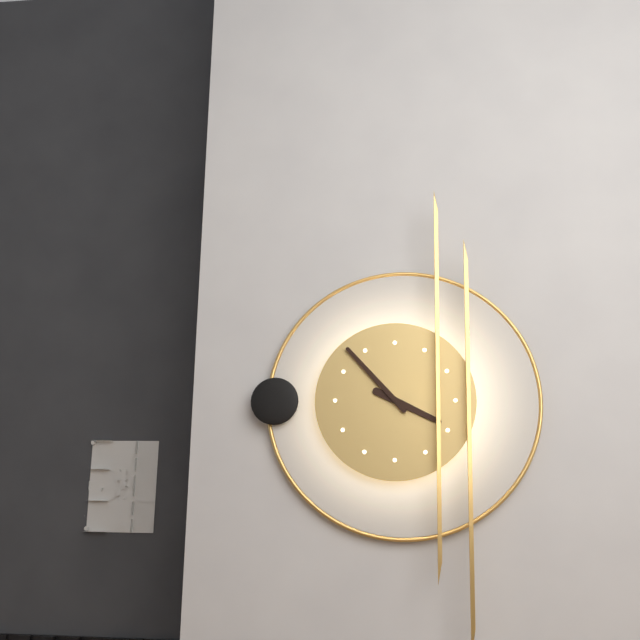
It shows 3 h 53 min
